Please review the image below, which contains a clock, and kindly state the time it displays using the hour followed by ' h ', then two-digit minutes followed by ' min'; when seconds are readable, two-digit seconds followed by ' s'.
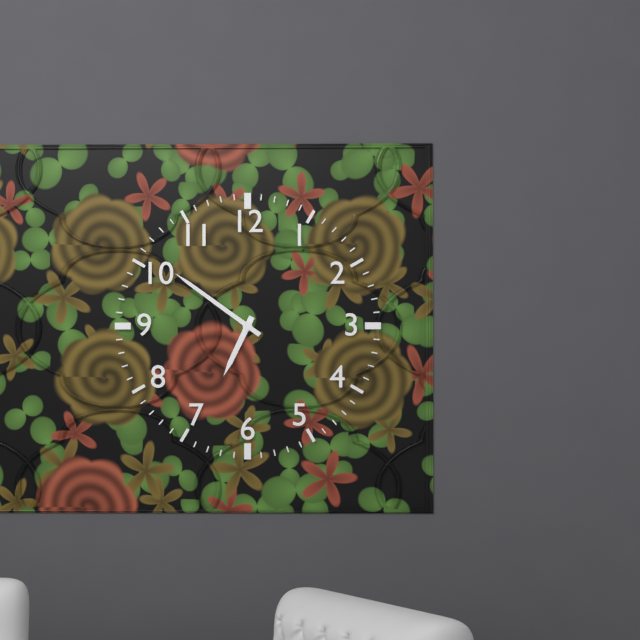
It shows 6 h 51 min
